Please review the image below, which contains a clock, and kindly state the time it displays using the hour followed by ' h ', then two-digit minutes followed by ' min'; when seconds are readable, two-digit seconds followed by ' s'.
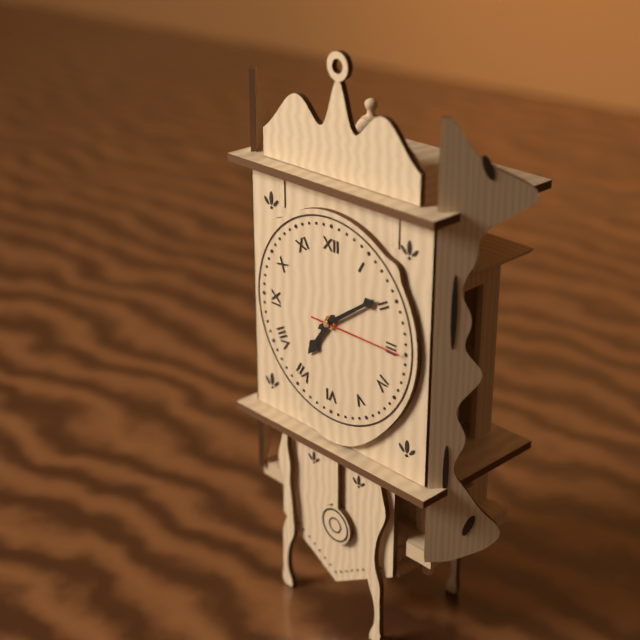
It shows 7 h 09 min 15 s
